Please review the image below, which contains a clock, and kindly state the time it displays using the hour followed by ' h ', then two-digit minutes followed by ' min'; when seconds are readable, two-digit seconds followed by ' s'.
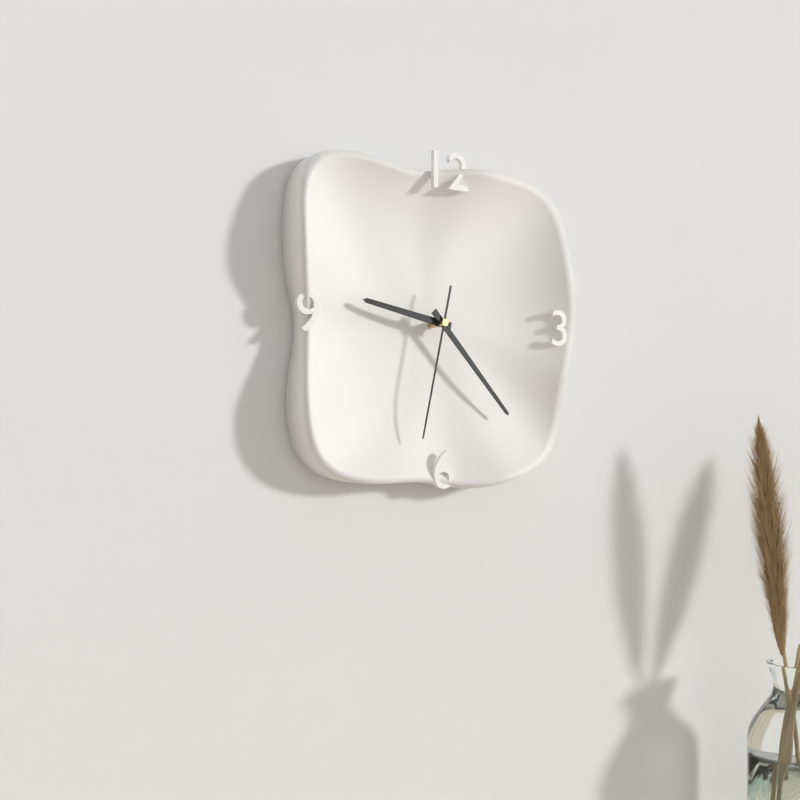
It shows 9 h 23 min 32 s
